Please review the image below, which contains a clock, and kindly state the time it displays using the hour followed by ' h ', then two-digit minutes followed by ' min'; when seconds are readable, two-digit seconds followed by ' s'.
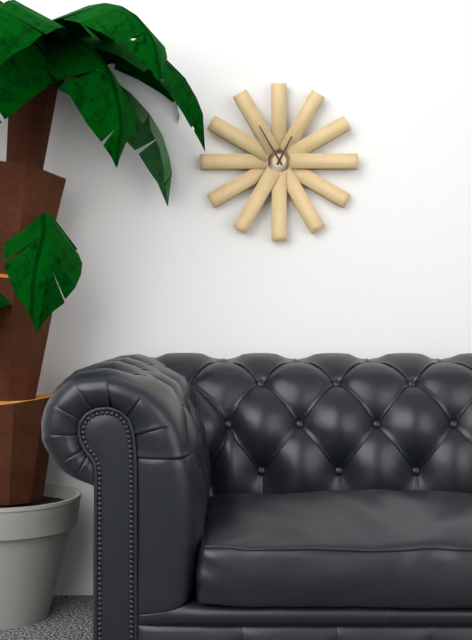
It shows 12 h 55 min
